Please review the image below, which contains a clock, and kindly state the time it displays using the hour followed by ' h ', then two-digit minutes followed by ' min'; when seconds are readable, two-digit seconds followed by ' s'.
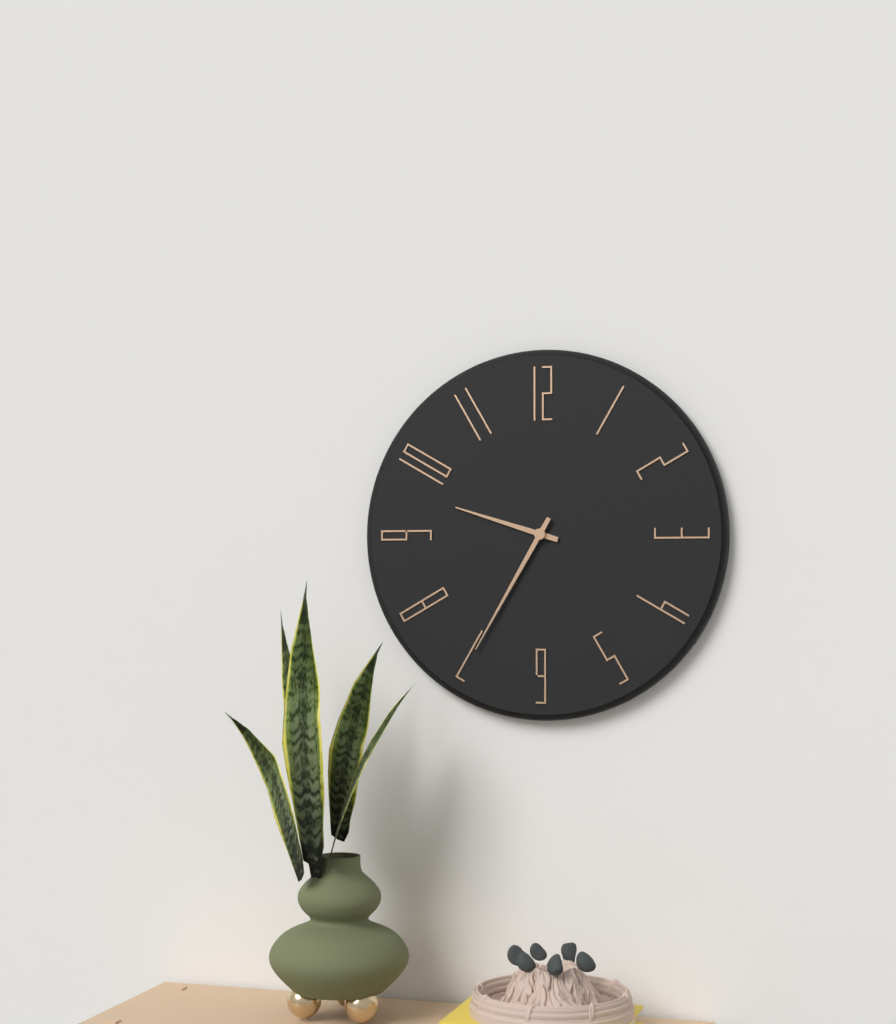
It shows 9 h 35 min
